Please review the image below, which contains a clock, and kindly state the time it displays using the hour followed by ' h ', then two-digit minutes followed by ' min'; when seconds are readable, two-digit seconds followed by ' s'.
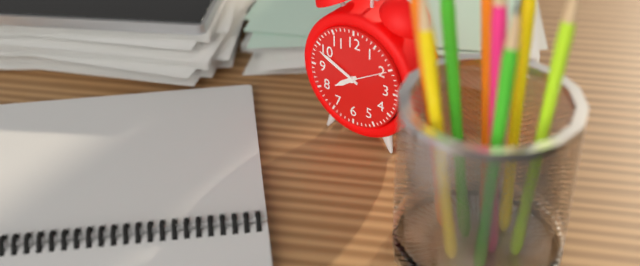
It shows 7 h 49 min
